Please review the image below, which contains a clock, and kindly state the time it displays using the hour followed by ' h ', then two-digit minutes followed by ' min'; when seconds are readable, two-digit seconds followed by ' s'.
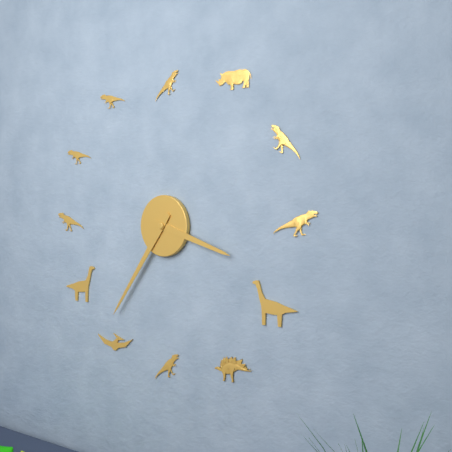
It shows 3 h 36 min
